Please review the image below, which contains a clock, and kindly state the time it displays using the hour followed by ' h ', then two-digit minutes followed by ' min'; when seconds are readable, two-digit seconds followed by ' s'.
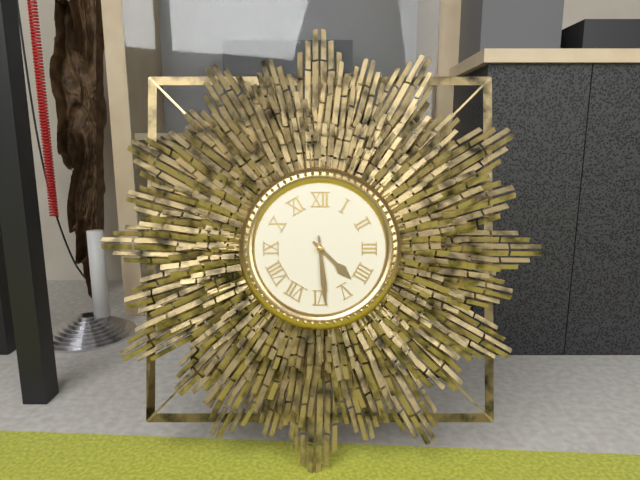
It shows 4 h 29 min
